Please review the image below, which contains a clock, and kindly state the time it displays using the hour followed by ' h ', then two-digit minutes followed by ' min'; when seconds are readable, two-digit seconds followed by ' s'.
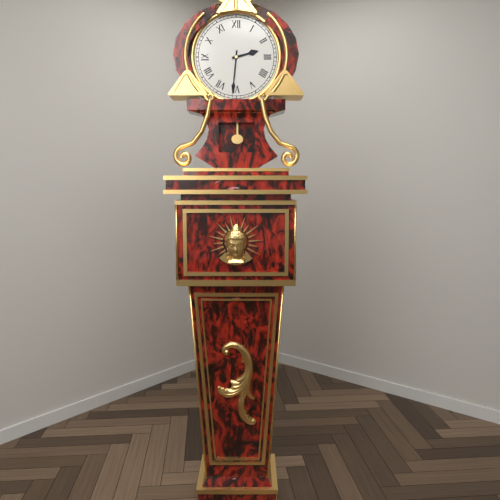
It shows 2 h 31 min
